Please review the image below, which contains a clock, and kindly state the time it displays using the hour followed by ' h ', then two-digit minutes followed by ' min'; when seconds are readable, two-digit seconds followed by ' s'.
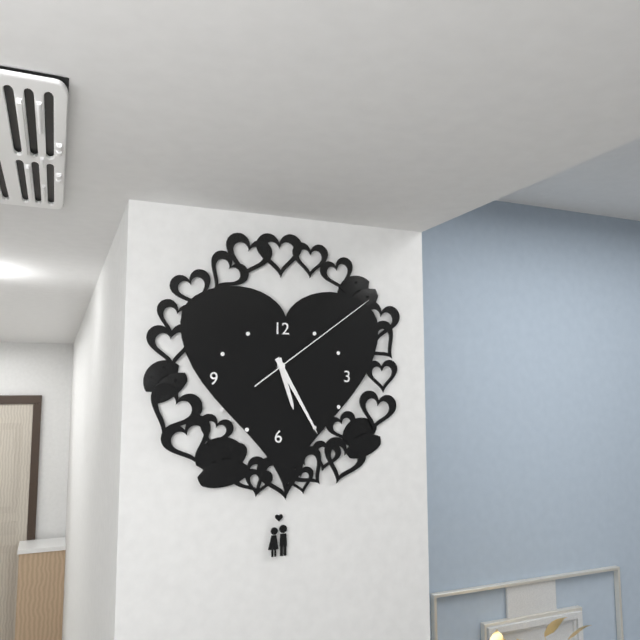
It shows 5 h 25 min 09 s
